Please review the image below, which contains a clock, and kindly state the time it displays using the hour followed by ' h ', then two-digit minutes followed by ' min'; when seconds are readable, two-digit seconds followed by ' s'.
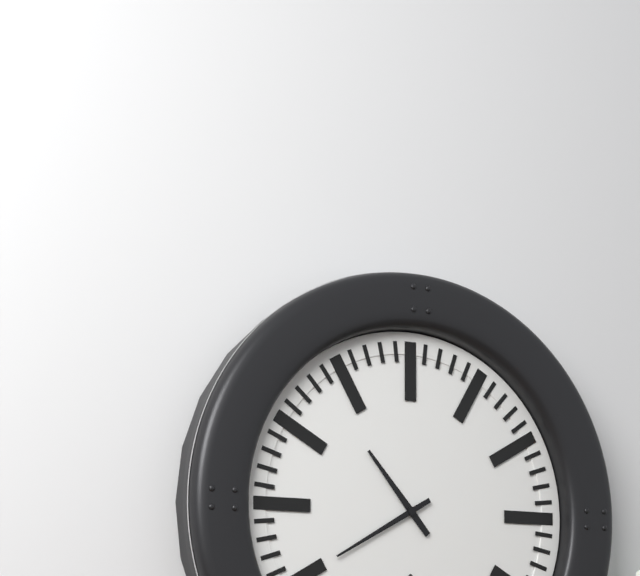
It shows 10 h 40 min
